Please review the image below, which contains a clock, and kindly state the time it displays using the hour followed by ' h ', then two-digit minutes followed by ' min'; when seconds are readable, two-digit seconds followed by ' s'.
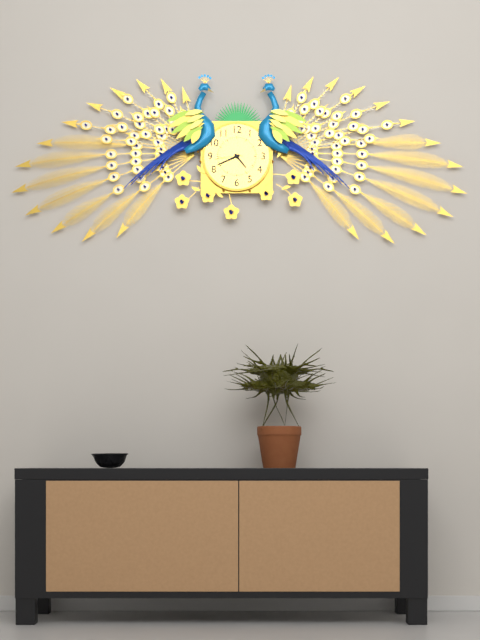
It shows 4 h 41 min
